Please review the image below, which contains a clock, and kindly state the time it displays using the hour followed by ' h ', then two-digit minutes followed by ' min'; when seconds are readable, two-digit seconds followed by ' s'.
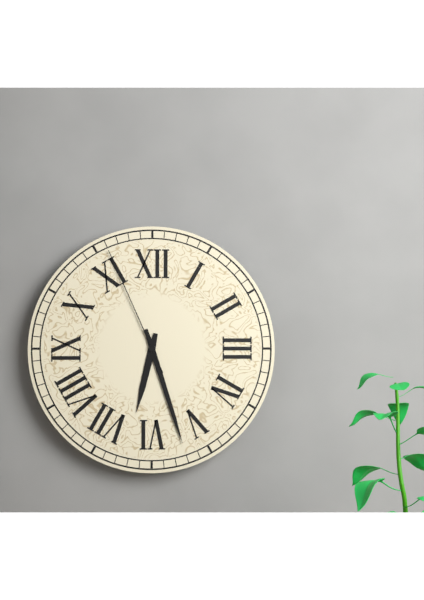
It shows 6 h 27 min 56 s
